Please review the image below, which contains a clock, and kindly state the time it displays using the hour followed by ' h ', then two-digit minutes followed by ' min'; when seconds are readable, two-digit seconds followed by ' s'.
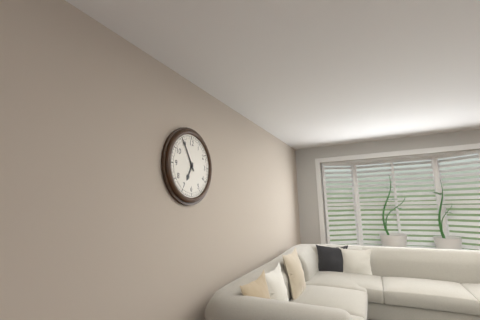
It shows 6 h 55 min
